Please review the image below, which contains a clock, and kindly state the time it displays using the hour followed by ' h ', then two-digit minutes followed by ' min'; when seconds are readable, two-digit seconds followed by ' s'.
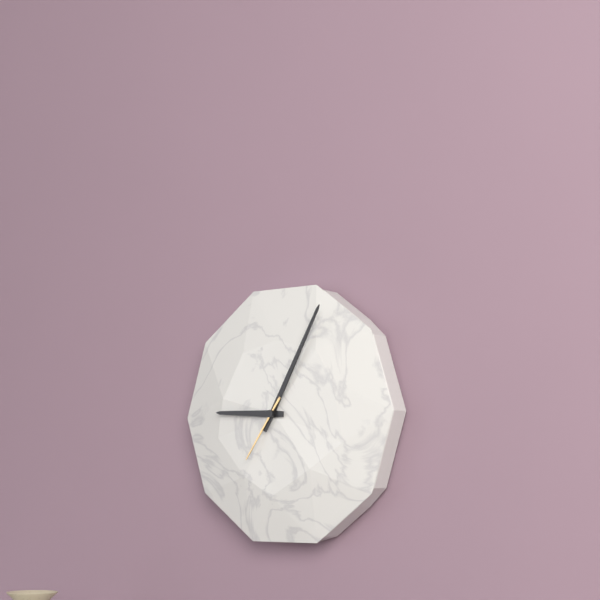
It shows 9 h 05 min 36 s
